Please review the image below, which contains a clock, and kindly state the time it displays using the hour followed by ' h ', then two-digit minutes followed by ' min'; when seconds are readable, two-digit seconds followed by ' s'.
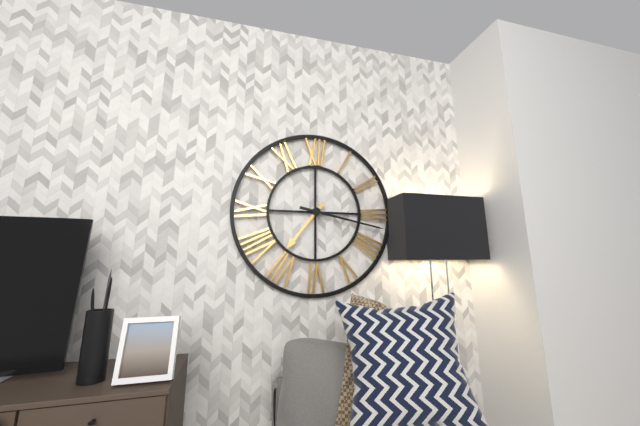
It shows 7 h 17 min
